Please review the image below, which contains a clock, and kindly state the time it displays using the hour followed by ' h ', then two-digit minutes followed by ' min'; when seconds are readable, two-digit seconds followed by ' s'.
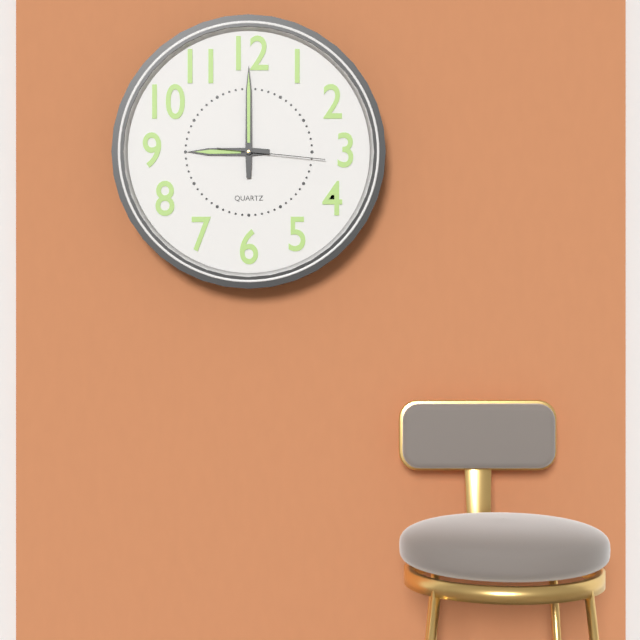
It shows 9 h 00 min 16 s
